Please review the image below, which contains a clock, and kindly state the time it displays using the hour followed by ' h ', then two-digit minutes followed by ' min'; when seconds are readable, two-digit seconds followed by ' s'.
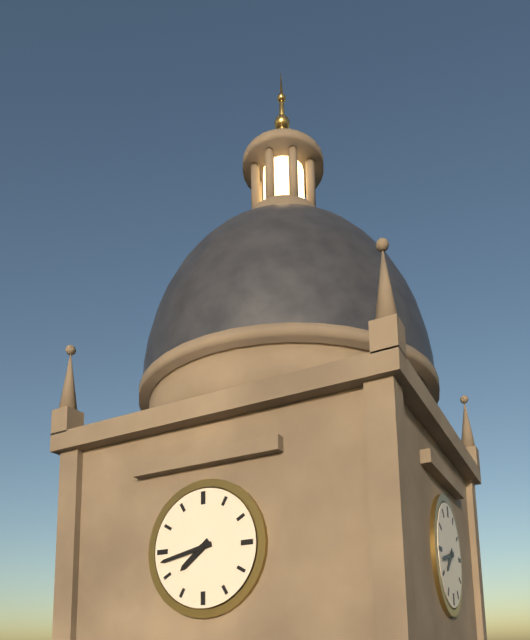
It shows 7 h 43 min
